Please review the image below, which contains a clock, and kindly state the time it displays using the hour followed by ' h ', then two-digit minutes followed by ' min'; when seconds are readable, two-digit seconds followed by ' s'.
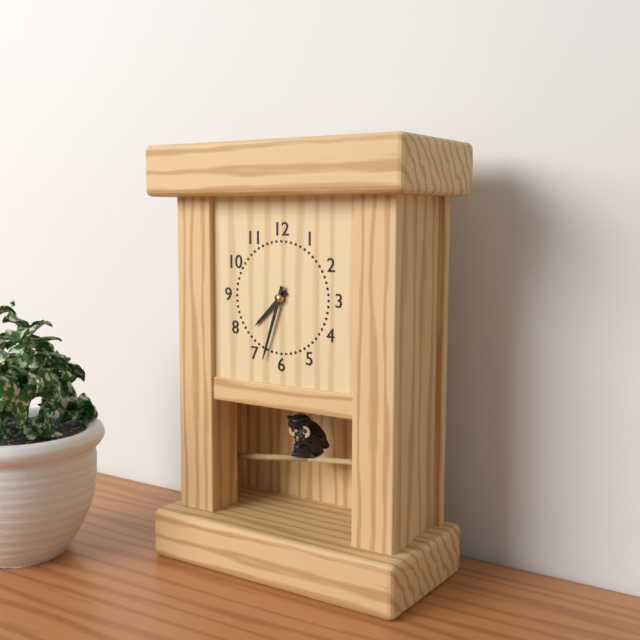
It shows 7 h 33 min
